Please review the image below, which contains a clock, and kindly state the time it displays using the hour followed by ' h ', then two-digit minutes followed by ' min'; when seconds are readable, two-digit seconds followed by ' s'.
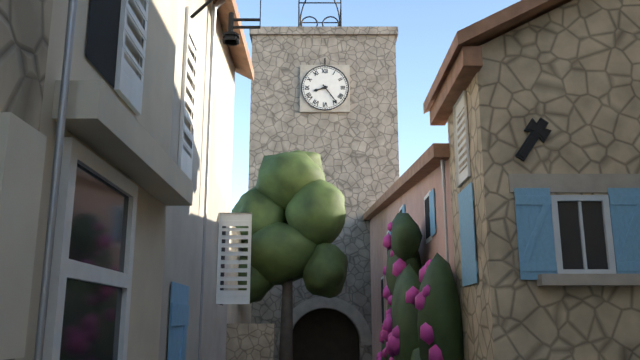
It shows 8 h 24 min
